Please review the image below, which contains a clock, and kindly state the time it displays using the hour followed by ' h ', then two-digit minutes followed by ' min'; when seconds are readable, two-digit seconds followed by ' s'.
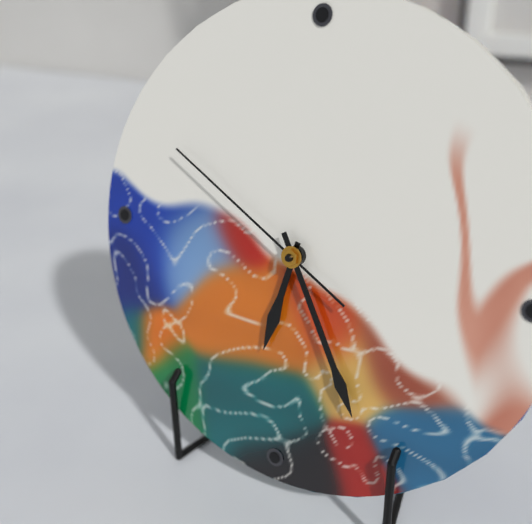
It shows 6 h 25 min 50 s
